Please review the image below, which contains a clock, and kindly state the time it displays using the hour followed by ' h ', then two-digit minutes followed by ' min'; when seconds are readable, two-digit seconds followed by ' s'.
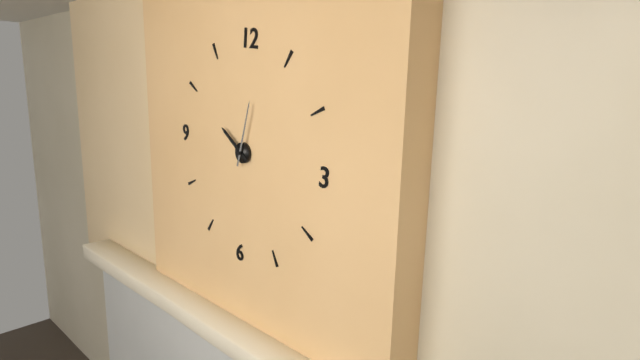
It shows 10 h 02 min
